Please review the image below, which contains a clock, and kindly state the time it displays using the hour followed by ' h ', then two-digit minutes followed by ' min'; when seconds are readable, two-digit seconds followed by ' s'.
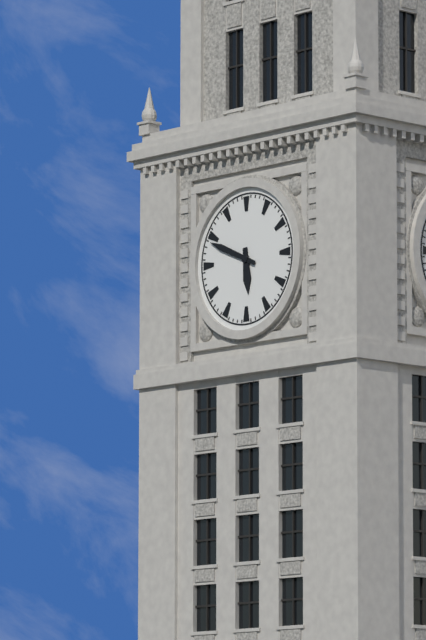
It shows 5 h 49 min
